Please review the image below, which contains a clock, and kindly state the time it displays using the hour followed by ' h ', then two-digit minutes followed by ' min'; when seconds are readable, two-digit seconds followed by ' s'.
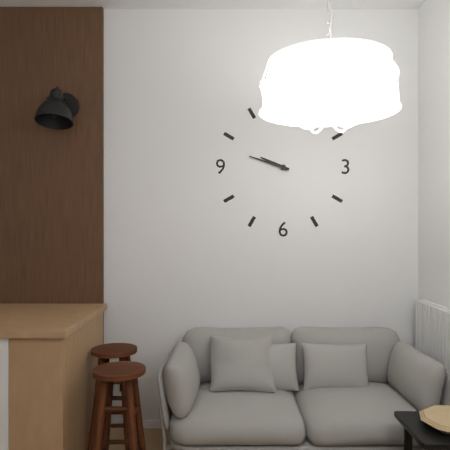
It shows 9 h 48 min
